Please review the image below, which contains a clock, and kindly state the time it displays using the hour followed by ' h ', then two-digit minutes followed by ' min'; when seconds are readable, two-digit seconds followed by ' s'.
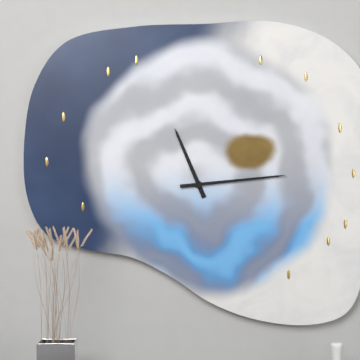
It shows 11 h 14 min
